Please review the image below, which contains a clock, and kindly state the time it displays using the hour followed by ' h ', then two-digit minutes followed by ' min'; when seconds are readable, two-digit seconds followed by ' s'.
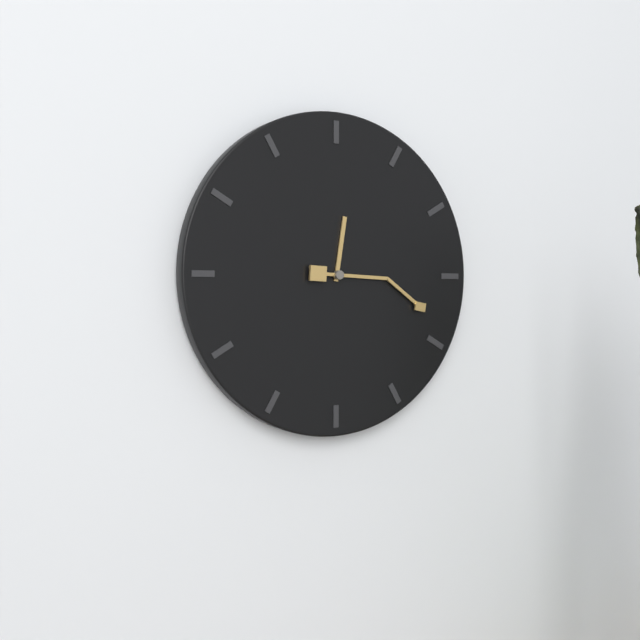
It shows 12 h 18 min
